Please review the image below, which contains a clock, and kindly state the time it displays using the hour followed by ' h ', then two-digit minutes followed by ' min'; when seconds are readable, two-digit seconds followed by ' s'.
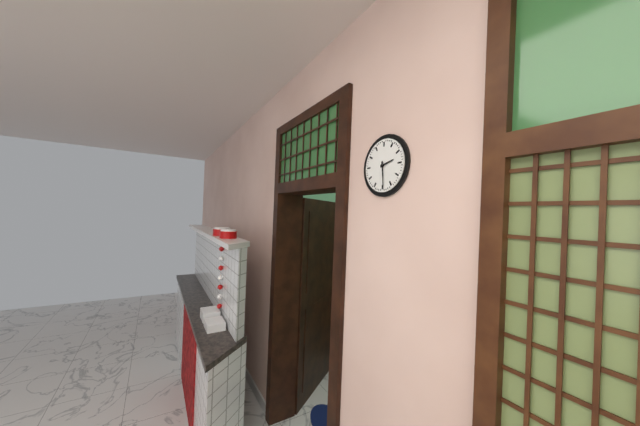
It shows 2 h 29 min
